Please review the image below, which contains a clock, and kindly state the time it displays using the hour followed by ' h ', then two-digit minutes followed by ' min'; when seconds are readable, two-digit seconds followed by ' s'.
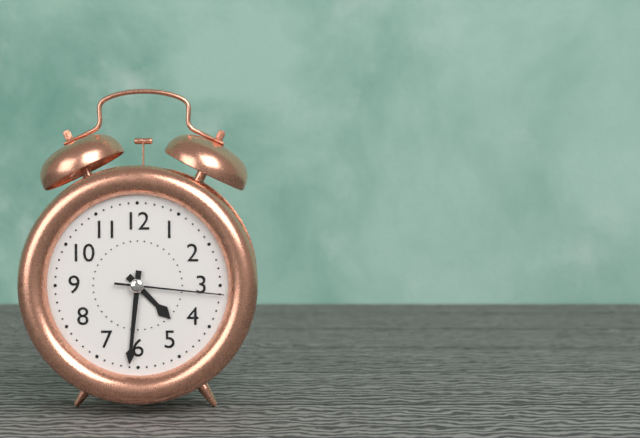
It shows 4 h 31 min 16 s
